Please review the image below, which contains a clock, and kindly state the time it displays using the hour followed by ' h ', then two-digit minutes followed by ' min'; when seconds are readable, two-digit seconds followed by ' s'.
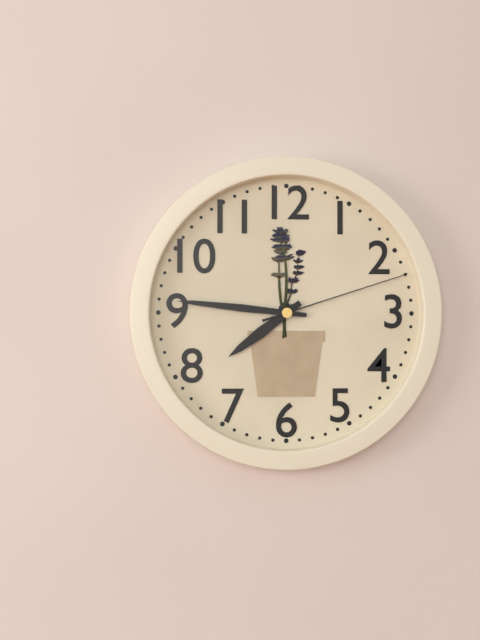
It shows 7 h 46 min 12 s
